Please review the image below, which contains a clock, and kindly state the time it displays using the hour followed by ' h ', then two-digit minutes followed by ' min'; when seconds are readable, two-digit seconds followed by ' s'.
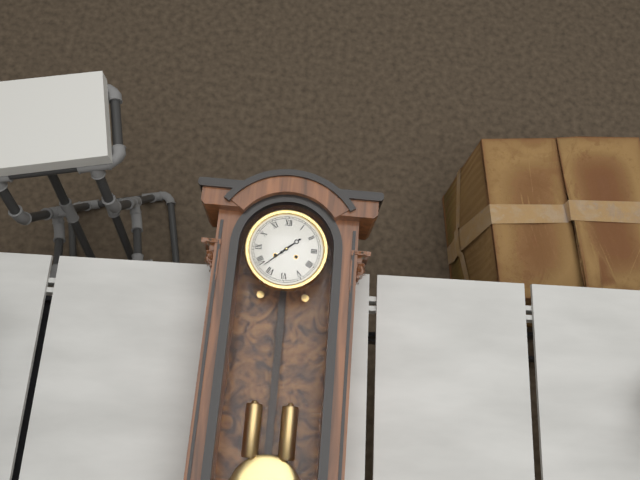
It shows 1 h 38 min
